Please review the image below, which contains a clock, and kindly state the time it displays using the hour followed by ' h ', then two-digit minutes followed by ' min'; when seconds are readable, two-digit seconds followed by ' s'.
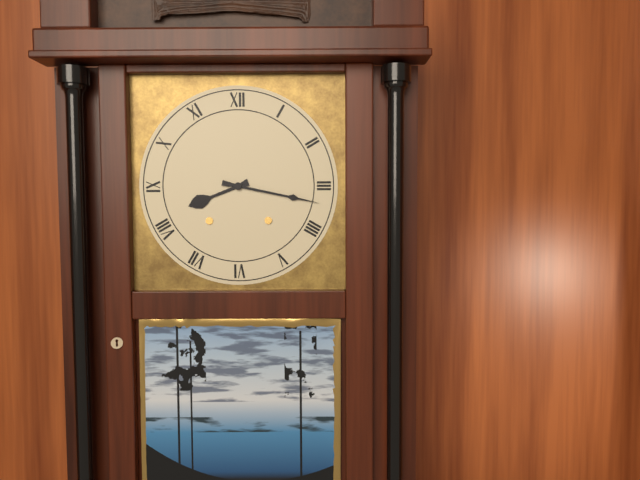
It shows 8 h 17 min
